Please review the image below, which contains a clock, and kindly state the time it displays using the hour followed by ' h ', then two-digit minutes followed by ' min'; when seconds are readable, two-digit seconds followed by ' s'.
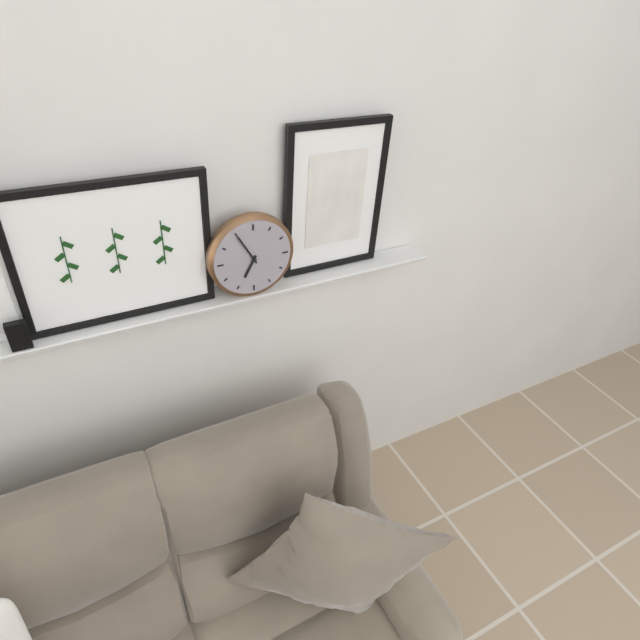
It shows 6 h 55 min
